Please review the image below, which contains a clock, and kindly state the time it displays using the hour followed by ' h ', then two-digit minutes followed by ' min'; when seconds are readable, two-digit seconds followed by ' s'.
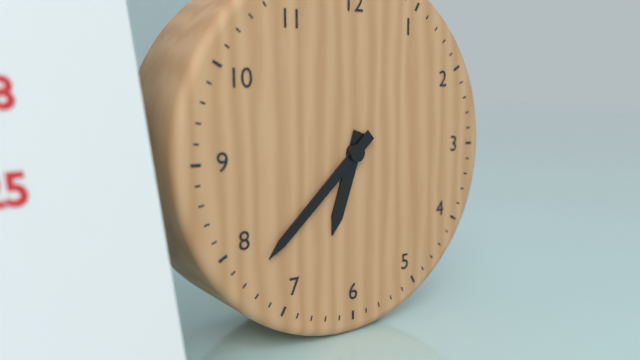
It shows 6 h 38 min
